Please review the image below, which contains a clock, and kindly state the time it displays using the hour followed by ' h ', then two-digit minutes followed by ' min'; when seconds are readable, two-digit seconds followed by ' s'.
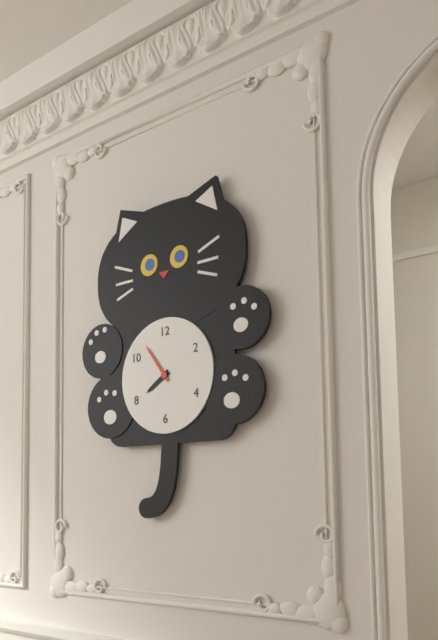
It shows 7 h 54 min
